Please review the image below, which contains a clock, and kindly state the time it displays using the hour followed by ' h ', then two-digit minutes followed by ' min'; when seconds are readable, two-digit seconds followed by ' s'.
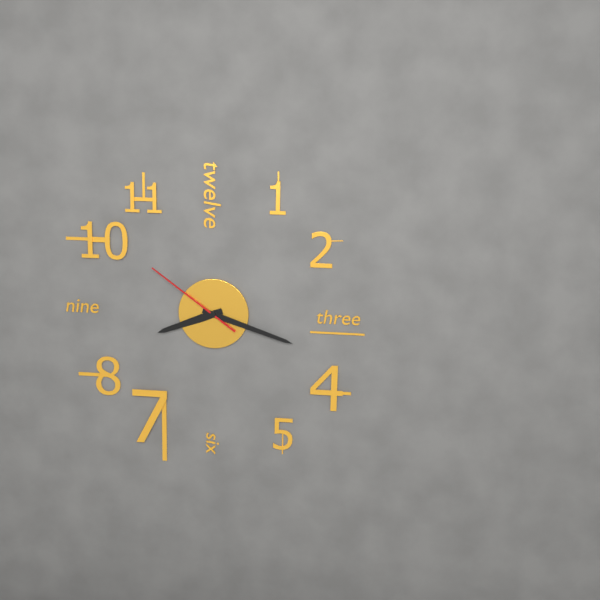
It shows 8 h 18 min 51 s
